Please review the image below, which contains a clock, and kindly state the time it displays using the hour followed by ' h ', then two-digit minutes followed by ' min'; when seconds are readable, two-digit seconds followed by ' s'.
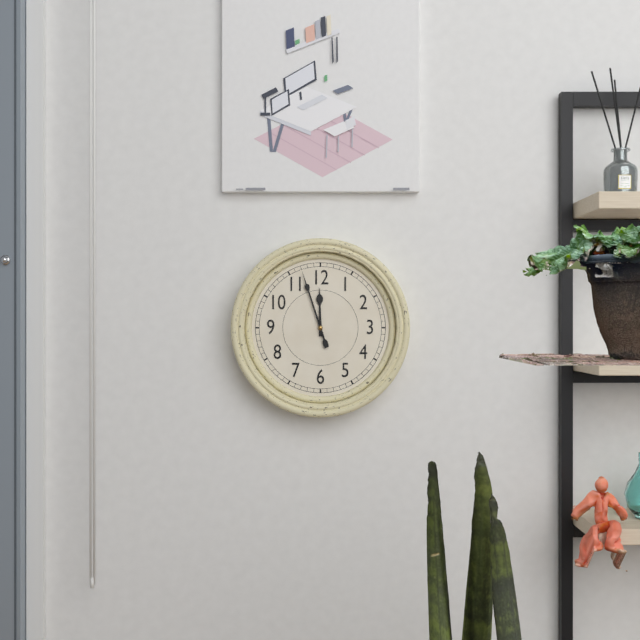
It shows 11 h 57 min
